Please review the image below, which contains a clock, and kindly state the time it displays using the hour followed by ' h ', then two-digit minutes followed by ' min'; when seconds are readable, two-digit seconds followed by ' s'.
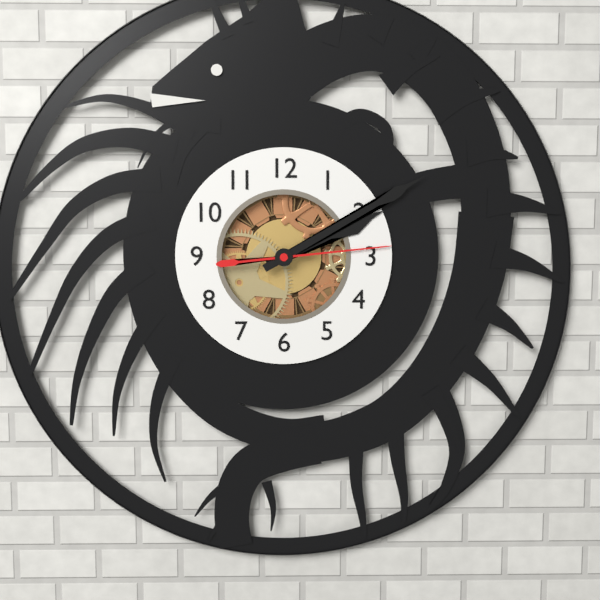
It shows 2 h 10 min 14 s
